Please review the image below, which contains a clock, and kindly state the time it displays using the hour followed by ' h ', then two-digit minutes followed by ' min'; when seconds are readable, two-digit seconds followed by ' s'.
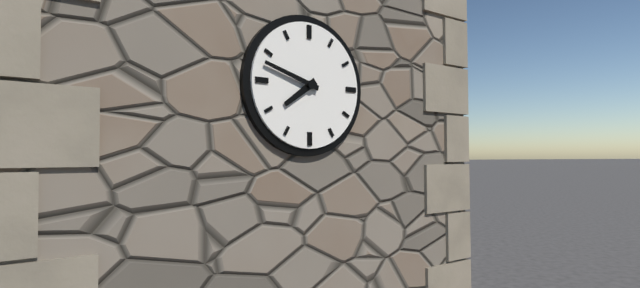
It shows 7 h 48 min
